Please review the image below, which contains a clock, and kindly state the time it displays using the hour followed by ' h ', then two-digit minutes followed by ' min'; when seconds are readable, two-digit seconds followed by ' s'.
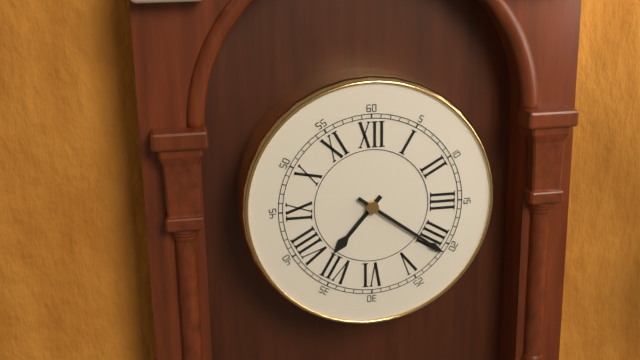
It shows 7 h 21 min
